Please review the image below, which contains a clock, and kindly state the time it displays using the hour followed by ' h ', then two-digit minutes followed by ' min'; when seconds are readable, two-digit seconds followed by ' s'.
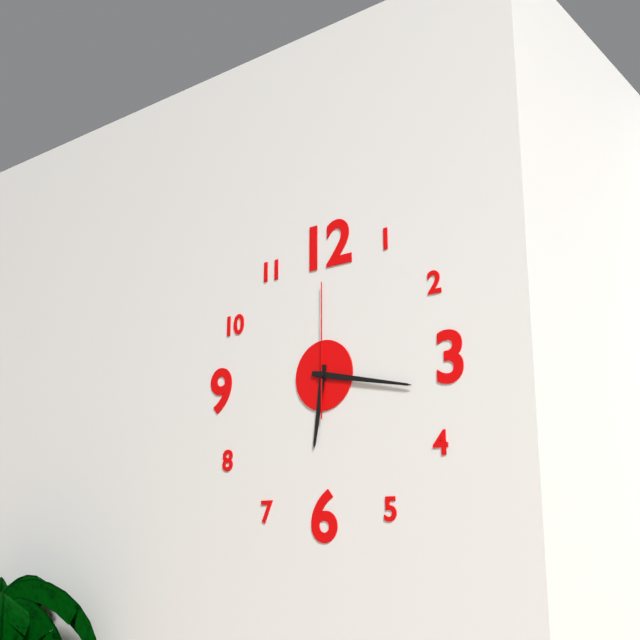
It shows 6 h 17 min 00 s
